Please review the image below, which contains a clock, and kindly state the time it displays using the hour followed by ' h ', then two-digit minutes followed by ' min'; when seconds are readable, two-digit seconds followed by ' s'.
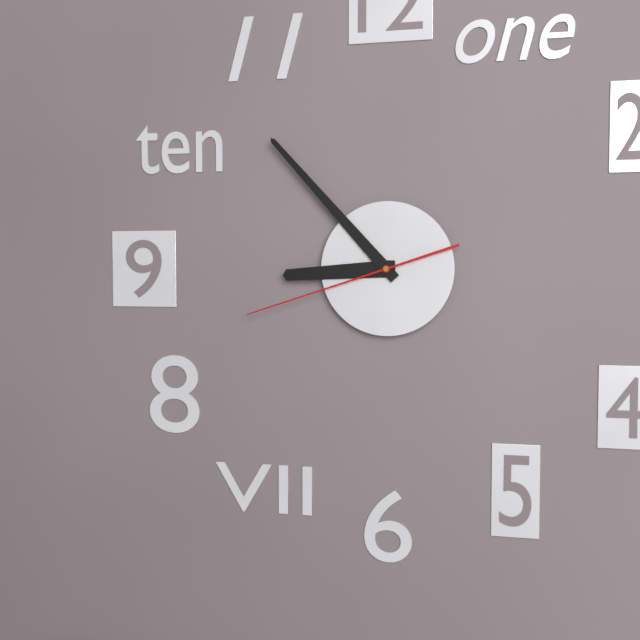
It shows 8 h 53 min 42 s
